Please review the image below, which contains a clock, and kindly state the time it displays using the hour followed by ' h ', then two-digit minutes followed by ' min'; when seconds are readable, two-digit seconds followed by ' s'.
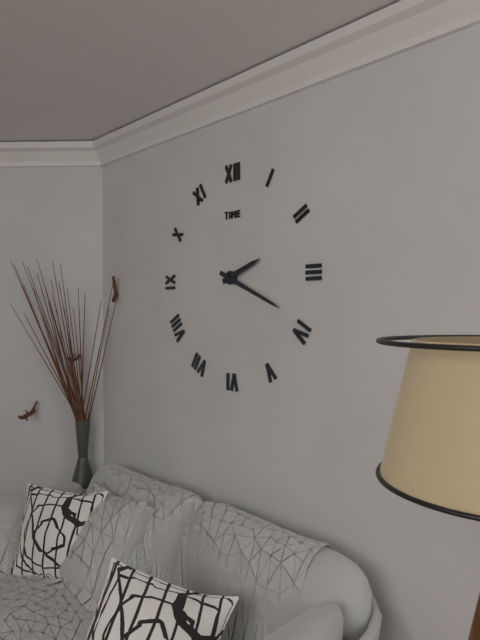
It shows 2 h 19 min
